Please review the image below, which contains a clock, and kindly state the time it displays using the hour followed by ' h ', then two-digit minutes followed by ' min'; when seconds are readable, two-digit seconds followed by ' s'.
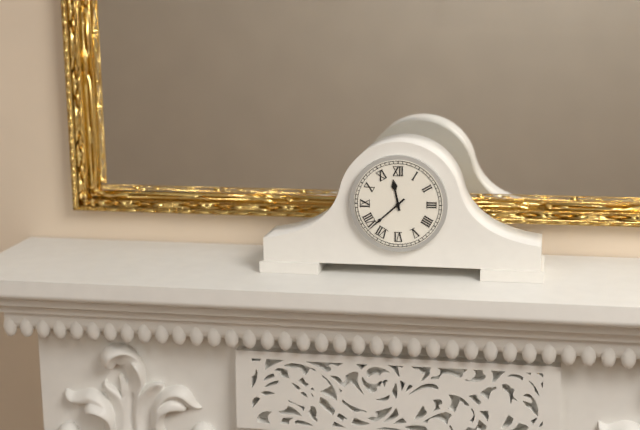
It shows 11 h 38 min
